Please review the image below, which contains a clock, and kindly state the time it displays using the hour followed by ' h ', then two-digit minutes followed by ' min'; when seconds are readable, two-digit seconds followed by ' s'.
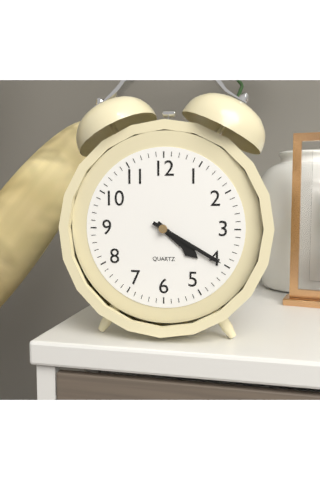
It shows 4 h 20 min
